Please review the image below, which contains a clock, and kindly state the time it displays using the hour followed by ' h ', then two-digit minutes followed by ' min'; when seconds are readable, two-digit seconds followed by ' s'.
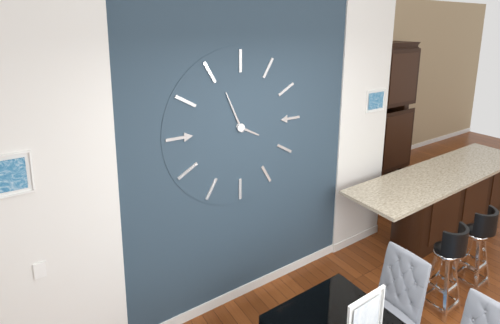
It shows 3 h 56 min
